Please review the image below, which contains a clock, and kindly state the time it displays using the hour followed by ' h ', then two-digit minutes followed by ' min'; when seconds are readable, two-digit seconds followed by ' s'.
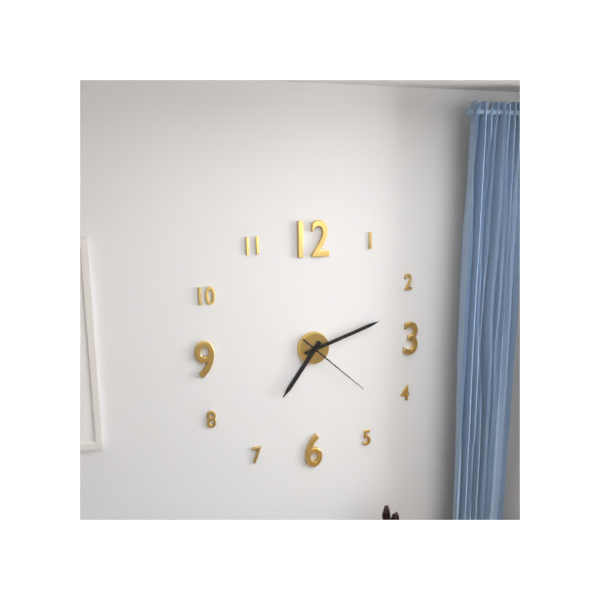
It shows 7 h 12 min 22 s
